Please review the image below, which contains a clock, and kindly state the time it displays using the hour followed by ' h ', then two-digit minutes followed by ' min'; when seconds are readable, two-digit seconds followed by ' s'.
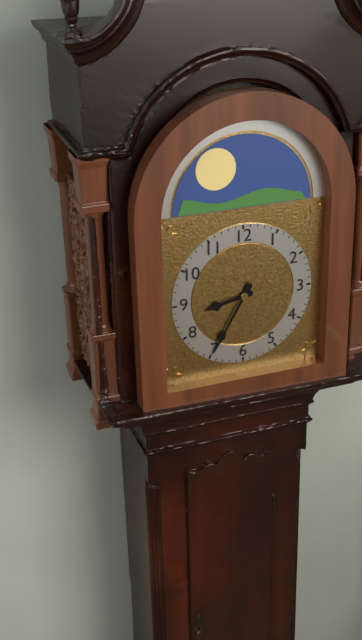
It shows 8 h 35 min
